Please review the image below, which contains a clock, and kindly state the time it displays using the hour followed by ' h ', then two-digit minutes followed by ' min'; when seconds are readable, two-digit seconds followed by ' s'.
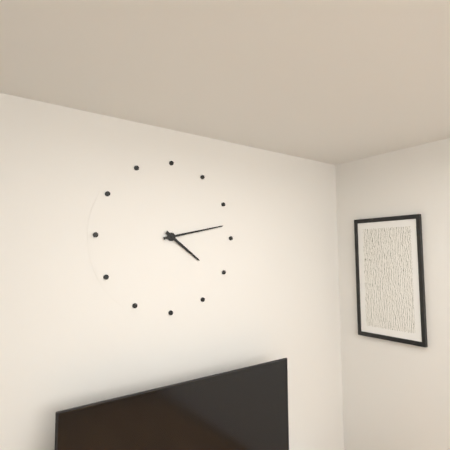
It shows 4 h 13 min
